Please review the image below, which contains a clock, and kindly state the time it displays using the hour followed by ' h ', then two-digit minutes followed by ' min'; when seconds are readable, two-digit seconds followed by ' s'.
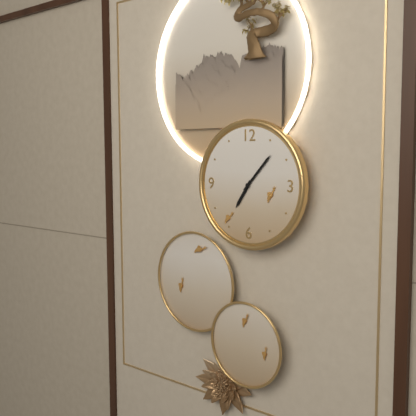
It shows 7 h 07 min
